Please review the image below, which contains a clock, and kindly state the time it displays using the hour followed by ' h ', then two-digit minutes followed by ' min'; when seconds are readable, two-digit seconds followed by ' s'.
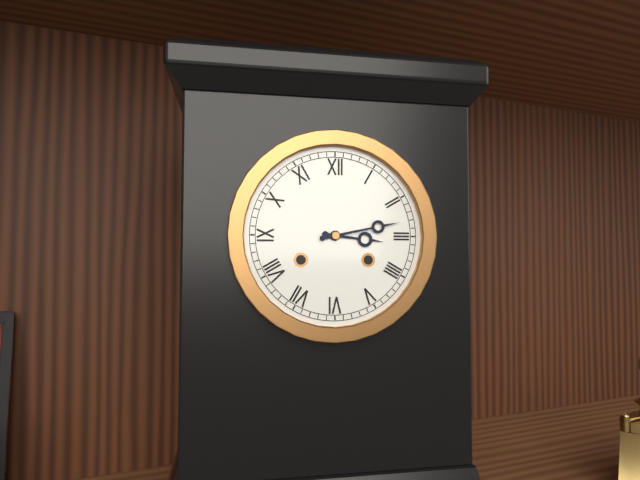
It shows 3 h 13 min
